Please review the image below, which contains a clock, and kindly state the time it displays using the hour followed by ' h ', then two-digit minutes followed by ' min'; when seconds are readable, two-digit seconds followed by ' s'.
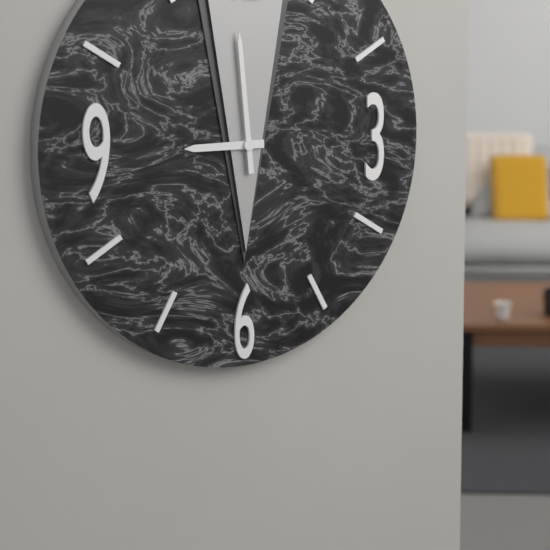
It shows 8 h 59 min
